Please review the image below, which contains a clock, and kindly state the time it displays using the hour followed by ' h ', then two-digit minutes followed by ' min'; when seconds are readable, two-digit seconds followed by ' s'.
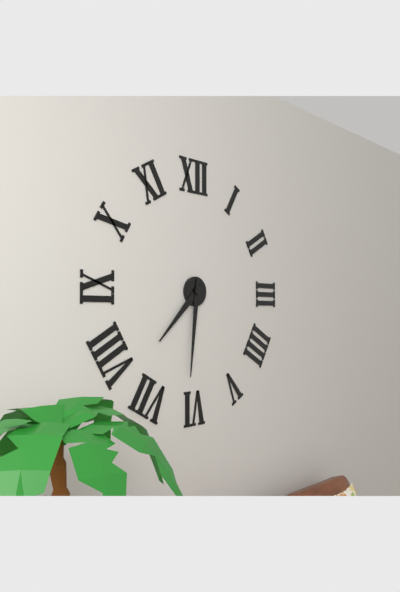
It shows 7 h 31 min
